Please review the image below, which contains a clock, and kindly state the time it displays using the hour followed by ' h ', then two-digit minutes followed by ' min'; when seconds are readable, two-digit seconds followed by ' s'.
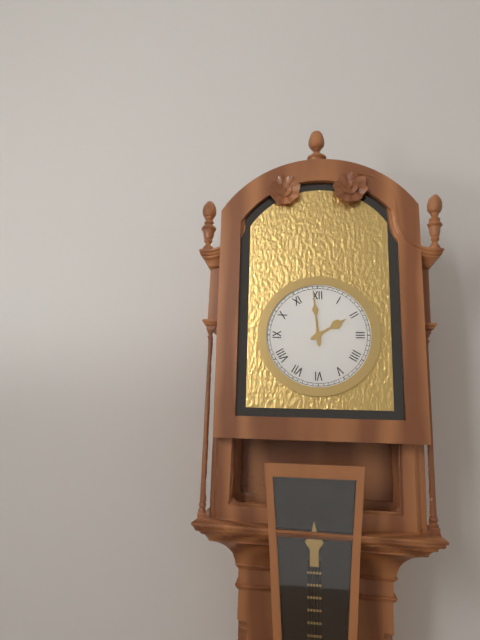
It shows 1 h 59 min
